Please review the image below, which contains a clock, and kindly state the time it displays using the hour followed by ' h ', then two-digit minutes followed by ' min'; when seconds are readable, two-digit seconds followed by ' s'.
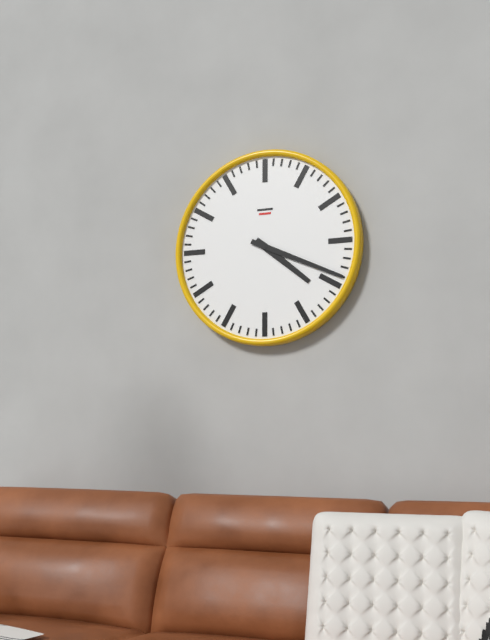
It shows 4 h 19 min
